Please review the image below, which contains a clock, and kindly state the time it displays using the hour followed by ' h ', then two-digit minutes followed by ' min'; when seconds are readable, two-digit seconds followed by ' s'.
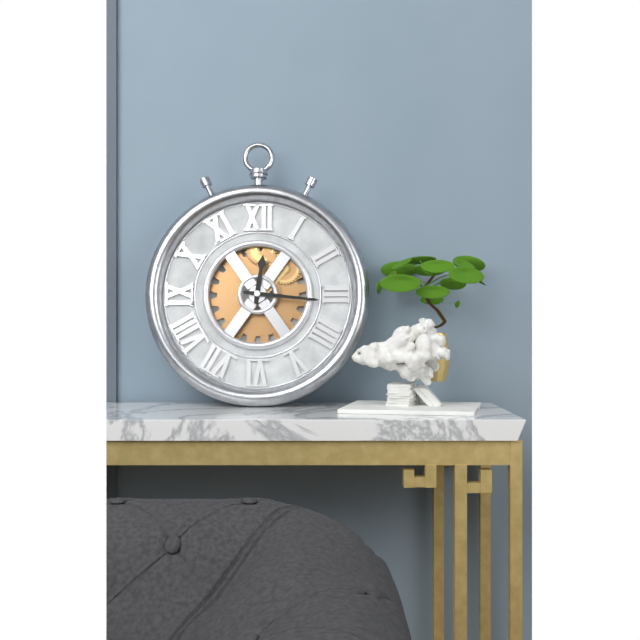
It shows 12 h 16 min
